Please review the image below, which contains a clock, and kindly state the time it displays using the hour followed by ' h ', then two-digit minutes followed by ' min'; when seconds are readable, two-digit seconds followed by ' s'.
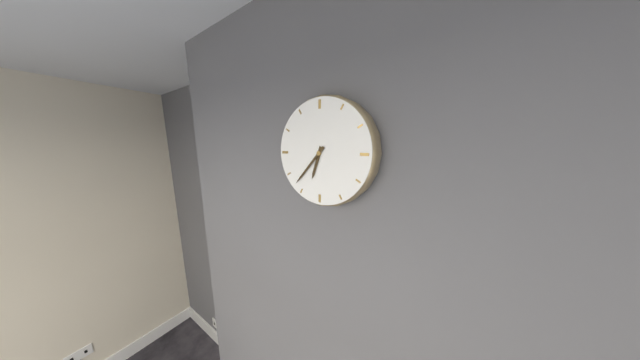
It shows 6 h 37 min
